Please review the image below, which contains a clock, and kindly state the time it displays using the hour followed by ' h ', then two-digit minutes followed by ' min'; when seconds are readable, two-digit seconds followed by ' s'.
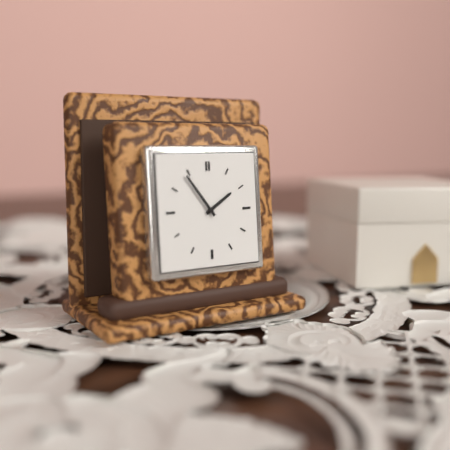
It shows 1 h 54 min
